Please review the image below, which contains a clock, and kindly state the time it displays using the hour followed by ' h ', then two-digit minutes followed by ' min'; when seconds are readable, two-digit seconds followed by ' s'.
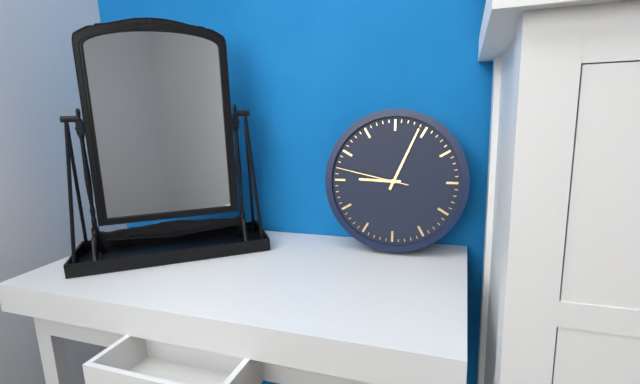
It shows 9 h 04 min 47 s
